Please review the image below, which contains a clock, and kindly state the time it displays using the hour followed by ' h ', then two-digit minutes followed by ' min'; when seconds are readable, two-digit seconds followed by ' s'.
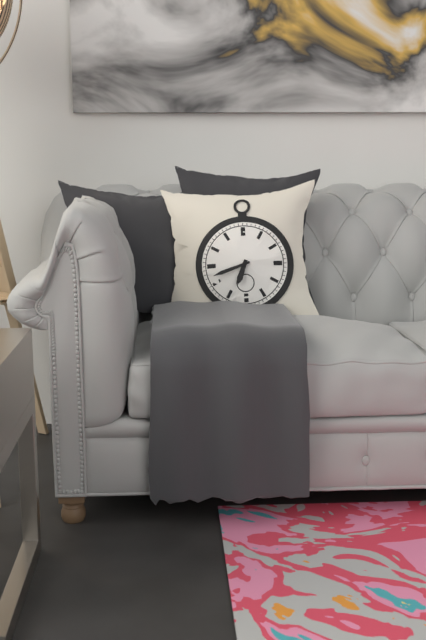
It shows 6 h 42 min
